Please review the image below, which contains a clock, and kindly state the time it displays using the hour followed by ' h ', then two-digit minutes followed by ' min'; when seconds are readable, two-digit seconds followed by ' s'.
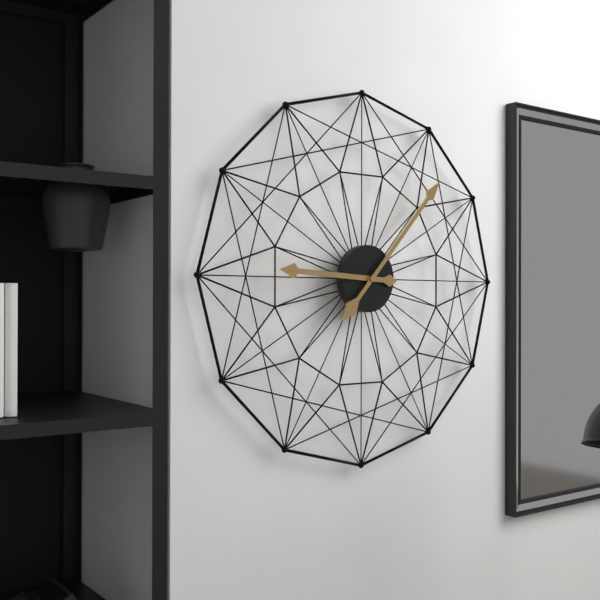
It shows 9 h 07 min
